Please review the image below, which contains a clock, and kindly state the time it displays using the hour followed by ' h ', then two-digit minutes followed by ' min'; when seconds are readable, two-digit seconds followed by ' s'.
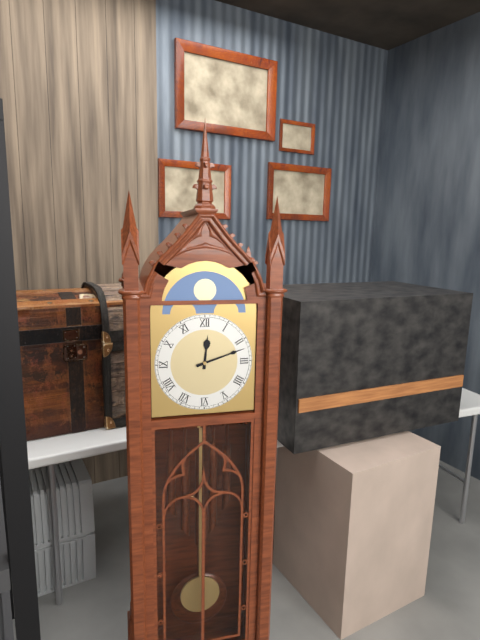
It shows 12 h 12 min
